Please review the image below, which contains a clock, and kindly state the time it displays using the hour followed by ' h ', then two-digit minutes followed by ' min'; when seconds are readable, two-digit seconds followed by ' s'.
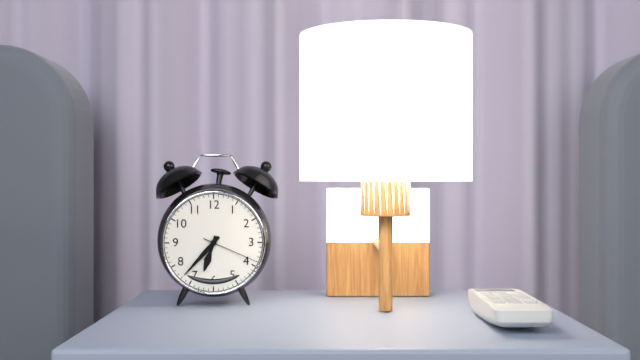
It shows 6 h 37 min 19 s
